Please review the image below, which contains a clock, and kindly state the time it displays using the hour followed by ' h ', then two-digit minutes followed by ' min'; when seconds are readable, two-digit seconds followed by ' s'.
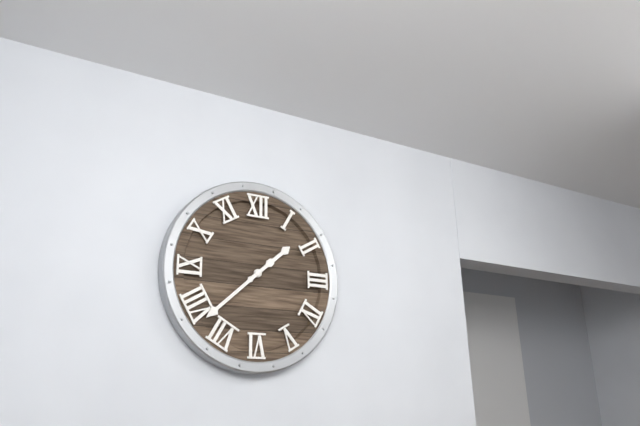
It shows 1 h 38 min
